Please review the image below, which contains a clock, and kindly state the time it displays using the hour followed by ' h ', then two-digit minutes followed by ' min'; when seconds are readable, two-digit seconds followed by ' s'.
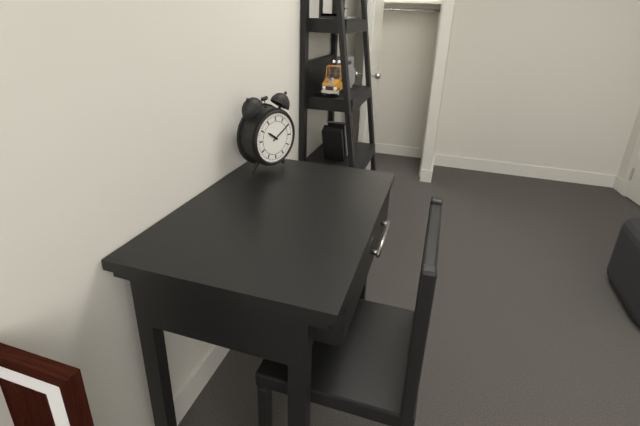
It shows 10 h 10 min
